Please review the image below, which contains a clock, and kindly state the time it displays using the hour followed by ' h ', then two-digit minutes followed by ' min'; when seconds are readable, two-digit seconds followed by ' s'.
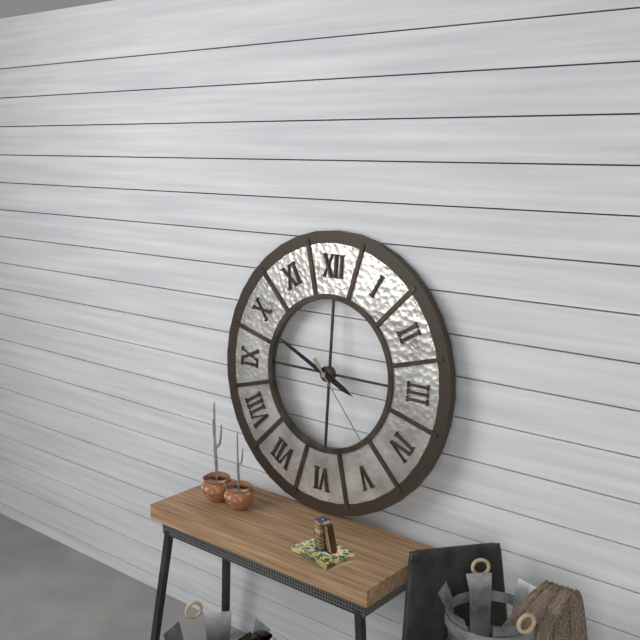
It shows 3 h 49 min 23 s
